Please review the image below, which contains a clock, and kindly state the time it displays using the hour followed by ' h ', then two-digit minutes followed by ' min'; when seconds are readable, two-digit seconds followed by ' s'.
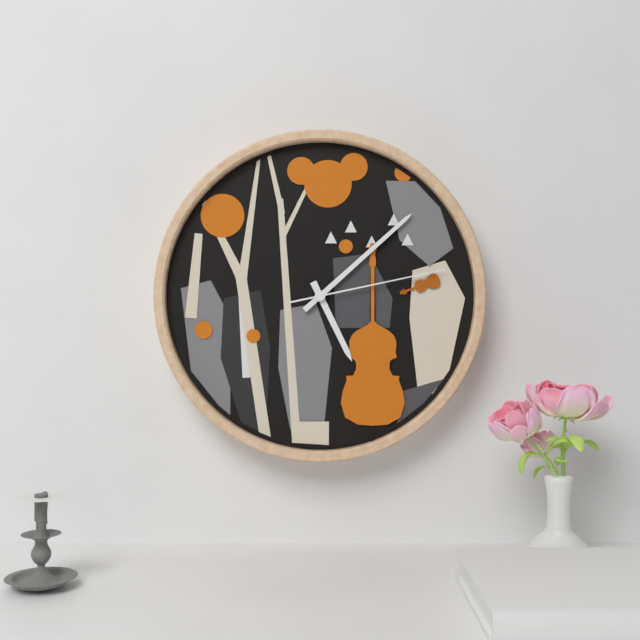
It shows 5 h 08 min 13 s
